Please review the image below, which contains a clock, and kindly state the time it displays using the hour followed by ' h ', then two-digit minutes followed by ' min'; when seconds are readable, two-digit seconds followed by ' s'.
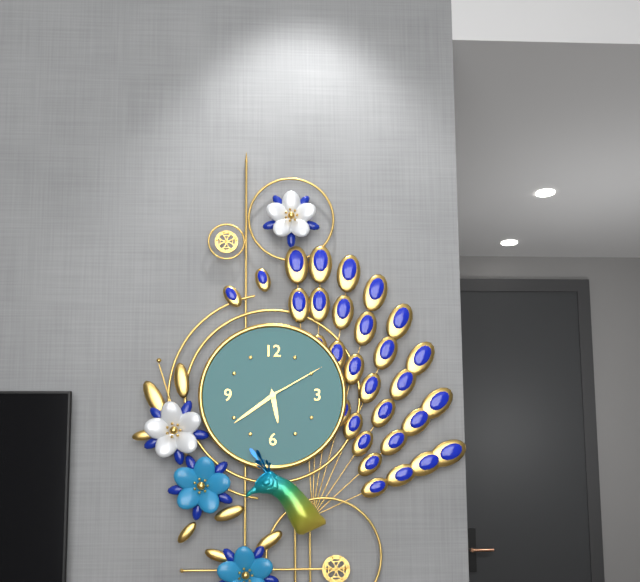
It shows 5 h 39 min 10 s
